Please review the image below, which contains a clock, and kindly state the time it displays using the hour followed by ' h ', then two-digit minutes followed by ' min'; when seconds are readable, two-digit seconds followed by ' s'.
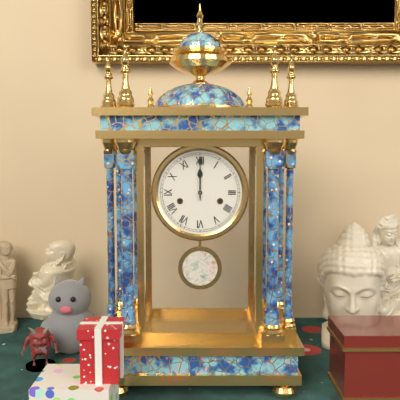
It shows 12 h 00 min
